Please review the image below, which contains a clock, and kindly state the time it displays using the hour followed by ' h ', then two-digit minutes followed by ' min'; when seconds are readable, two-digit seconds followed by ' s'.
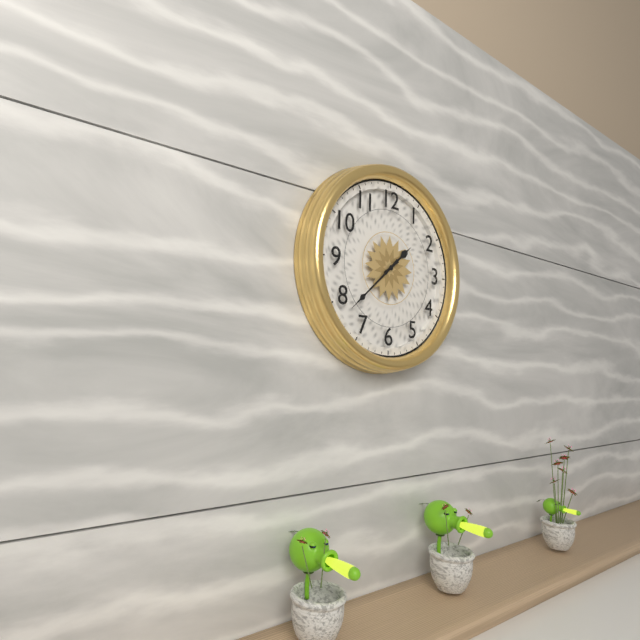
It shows 1 h 38 min
